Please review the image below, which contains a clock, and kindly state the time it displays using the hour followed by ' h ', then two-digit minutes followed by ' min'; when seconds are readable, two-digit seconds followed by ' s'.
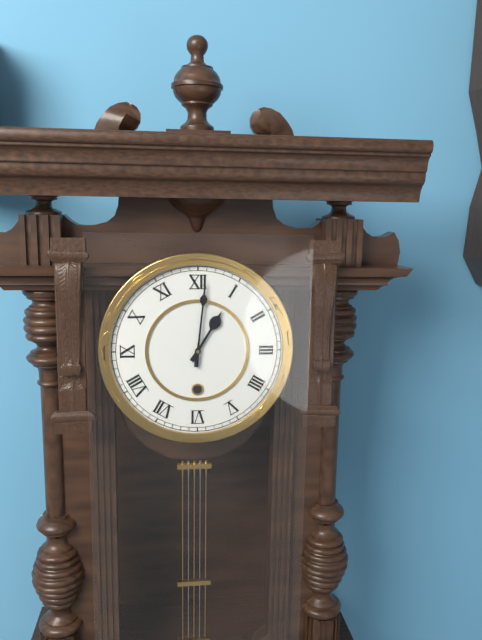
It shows 1 h 01 min
